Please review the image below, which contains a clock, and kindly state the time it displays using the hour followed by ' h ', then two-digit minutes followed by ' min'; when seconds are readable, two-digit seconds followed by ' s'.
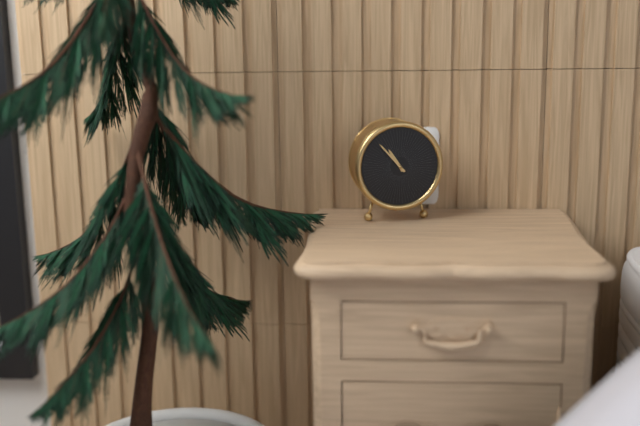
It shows 10 h 53 min
